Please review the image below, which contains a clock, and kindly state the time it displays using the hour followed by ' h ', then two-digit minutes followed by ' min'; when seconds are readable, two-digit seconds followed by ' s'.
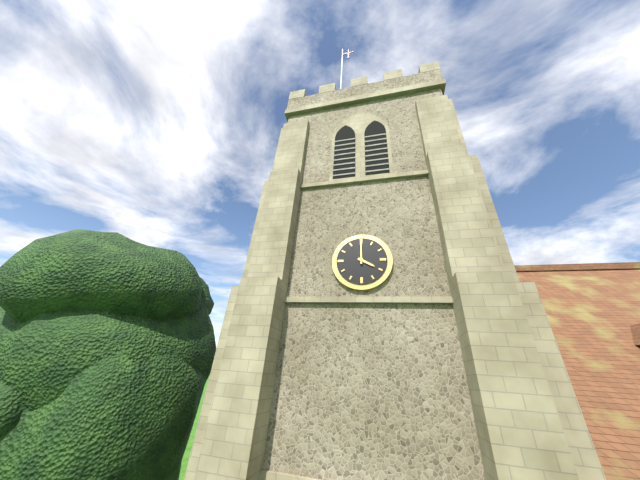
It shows 4 h 00 min
